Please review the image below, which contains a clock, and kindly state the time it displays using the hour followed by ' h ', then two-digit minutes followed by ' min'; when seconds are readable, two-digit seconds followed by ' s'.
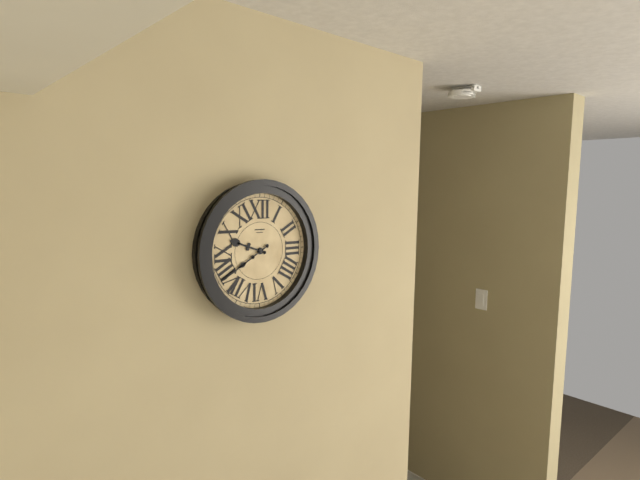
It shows 9 h 40 min
